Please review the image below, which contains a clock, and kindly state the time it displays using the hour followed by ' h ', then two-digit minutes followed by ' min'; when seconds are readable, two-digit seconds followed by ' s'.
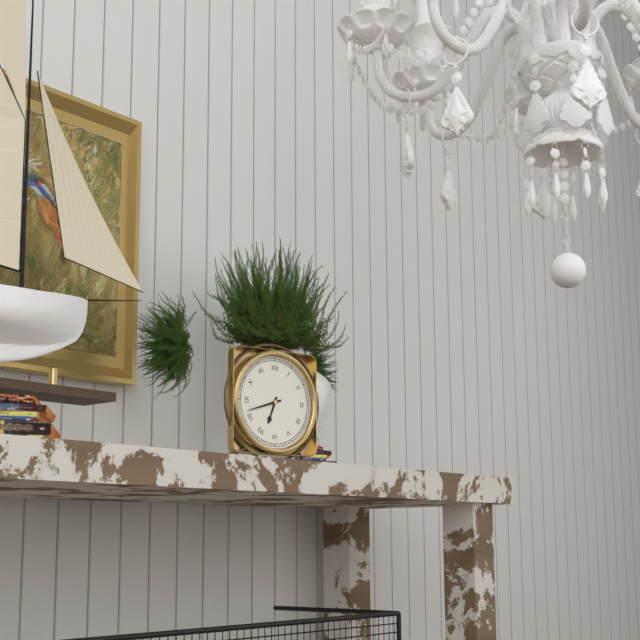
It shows 6 h 42 min
